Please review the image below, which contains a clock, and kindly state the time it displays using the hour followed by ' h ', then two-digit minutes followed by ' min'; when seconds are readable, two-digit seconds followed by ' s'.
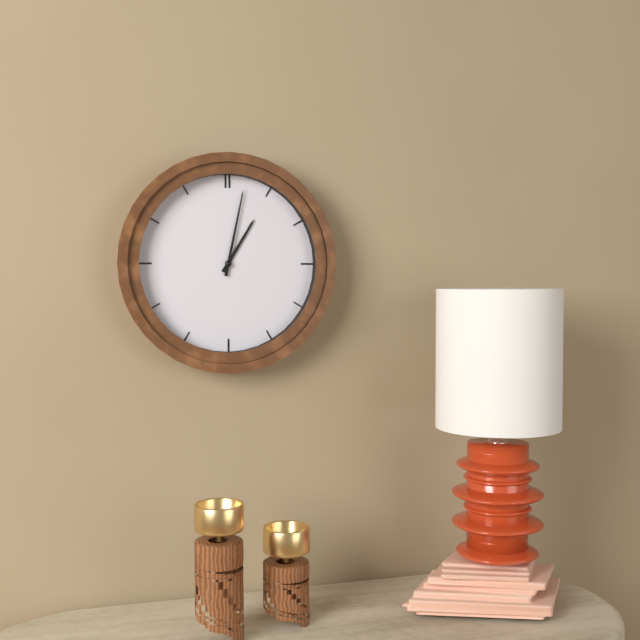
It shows 1 h 02 min
